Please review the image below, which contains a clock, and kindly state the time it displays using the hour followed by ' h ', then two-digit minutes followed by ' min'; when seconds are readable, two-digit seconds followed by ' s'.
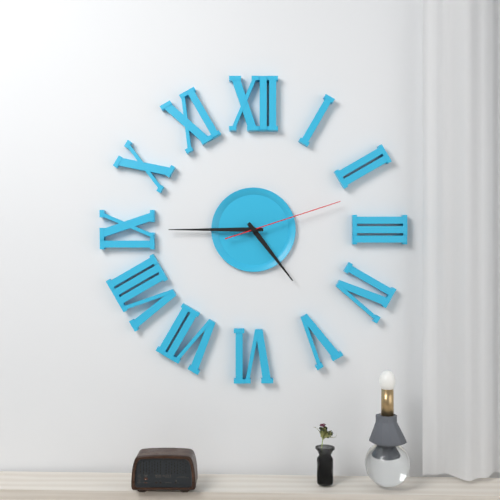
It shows 4 h 45 min 12 s
